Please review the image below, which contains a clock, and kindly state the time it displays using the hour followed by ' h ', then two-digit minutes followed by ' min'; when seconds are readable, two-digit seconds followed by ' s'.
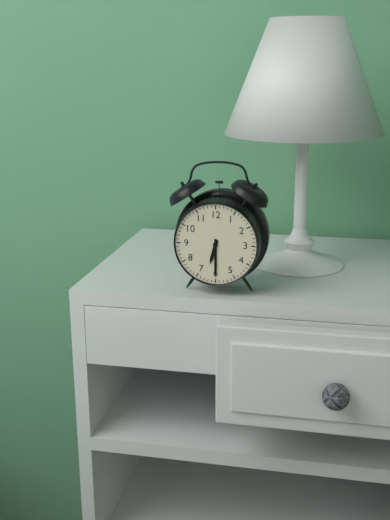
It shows 6 h 30 min
